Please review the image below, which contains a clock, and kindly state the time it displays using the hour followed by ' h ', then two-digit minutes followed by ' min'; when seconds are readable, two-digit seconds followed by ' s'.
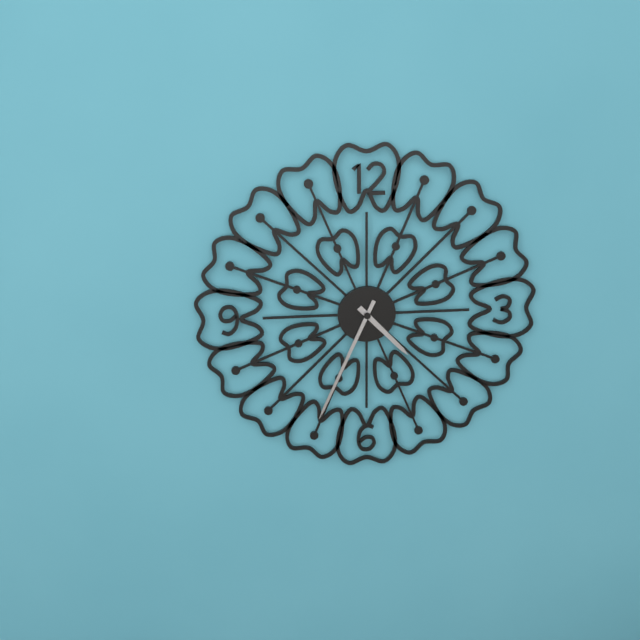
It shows 4 h 34 min
